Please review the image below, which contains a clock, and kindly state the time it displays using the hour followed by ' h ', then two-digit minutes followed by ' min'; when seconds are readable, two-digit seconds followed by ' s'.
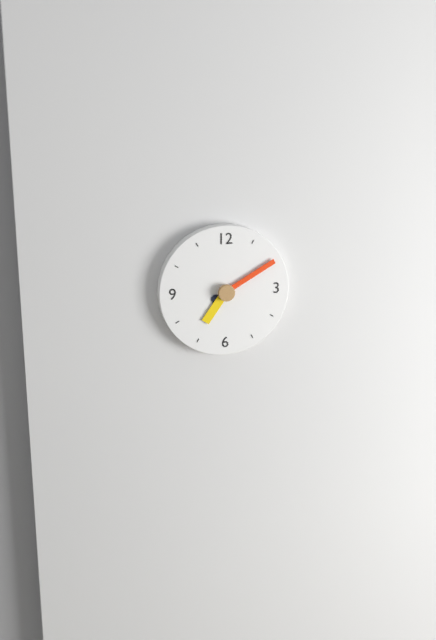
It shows 7 h 10 min
